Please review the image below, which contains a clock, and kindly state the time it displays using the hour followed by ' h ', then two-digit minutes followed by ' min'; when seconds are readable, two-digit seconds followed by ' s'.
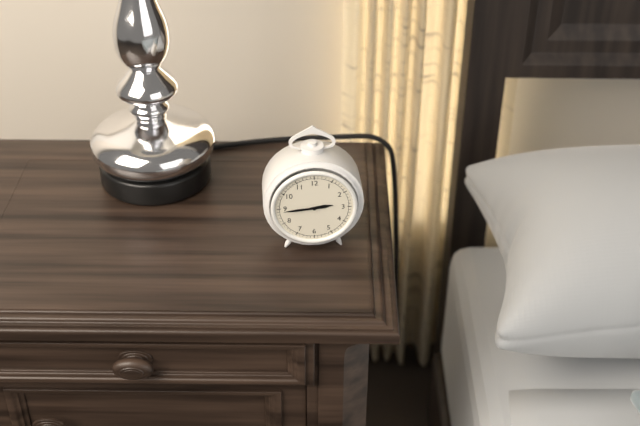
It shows 2 h 44 min
